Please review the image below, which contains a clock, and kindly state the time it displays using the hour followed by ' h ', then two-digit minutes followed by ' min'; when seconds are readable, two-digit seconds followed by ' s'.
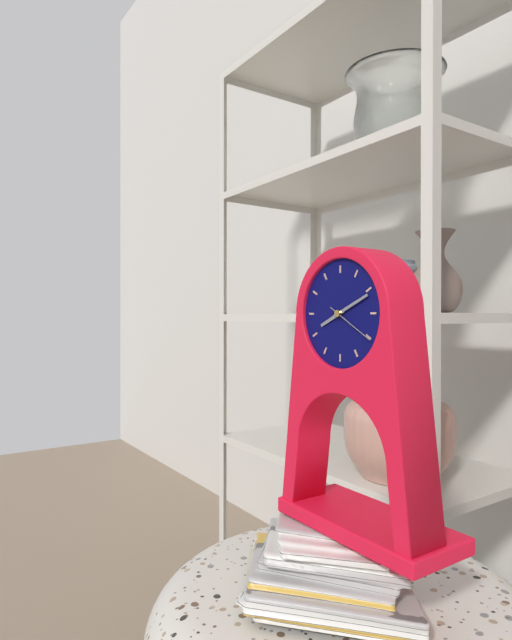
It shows 8 h 11 min 20 s
